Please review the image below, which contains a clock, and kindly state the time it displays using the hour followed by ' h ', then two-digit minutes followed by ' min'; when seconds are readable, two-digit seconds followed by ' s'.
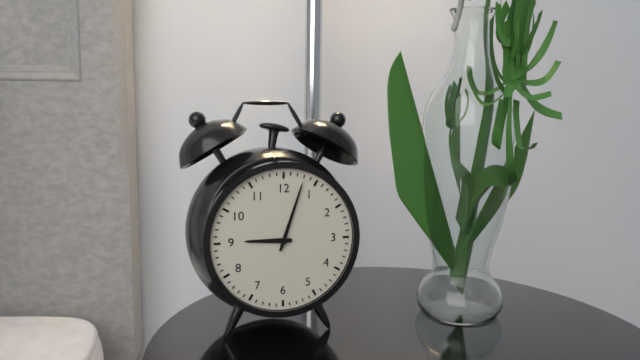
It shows 9 h 03 min
